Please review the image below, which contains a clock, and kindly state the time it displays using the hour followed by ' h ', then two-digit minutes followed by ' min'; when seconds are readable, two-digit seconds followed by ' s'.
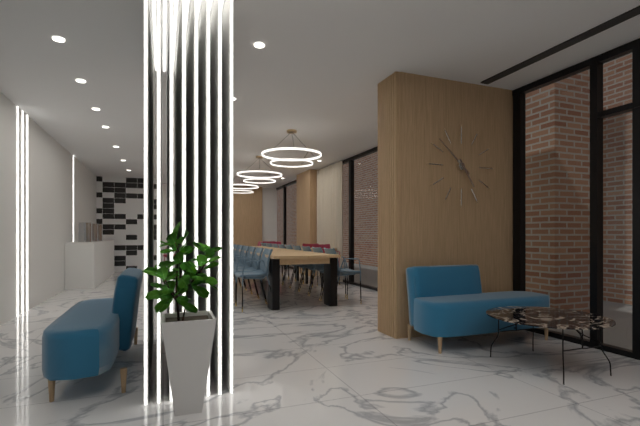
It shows 4 h 52 min
